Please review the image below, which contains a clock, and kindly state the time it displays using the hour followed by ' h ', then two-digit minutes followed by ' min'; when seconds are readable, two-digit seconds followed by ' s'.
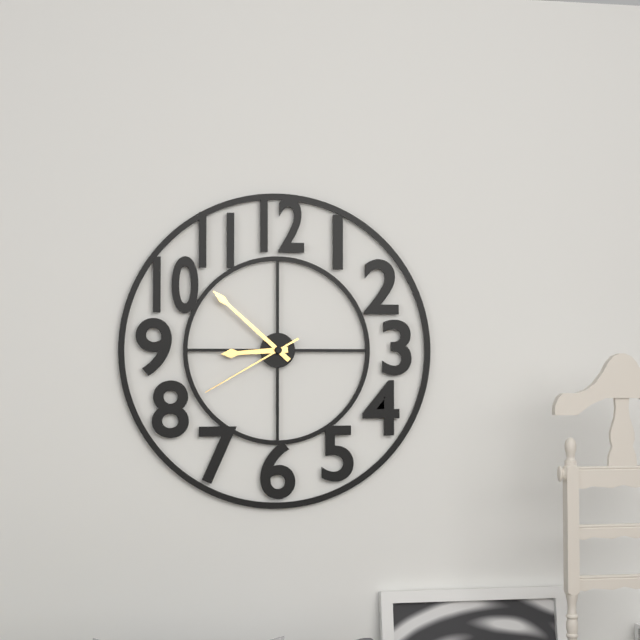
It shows 8 h 52 min 40 s
